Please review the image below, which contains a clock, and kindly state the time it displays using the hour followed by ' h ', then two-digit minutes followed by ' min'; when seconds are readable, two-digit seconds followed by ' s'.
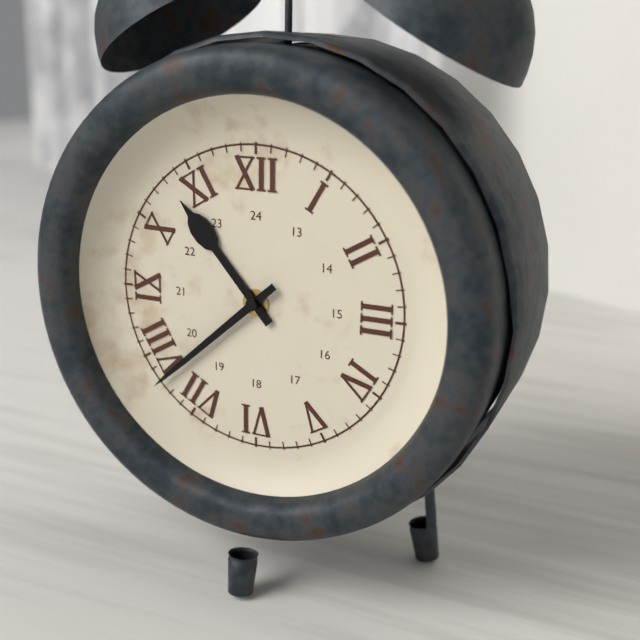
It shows 10 h 38 min
